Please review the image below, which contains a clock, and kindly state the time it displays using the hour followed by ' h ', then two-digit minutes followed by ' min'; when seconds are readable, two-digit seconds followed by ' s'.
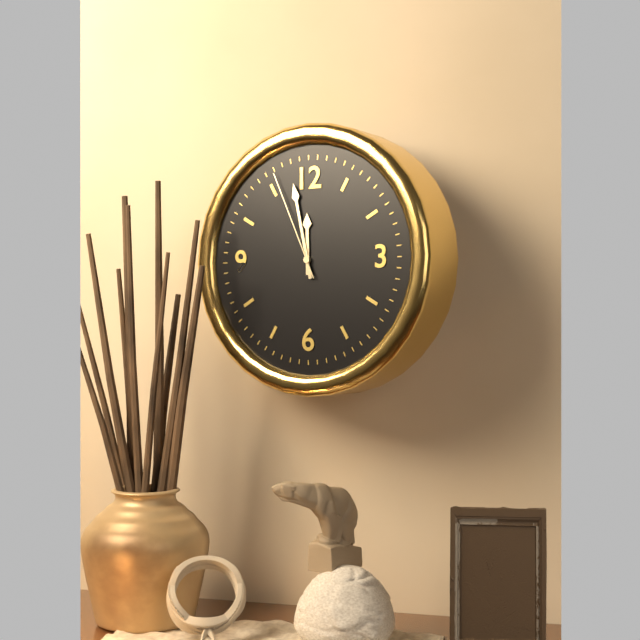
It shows 11 h 58 min 56 s
